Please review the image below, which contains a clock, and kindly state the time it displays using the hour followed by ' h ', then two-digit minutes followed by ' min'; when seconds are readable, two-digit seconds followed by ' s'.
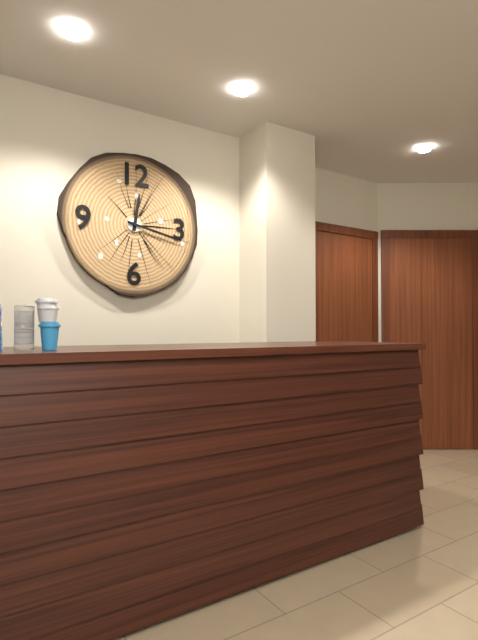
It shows 12 h 17 min
